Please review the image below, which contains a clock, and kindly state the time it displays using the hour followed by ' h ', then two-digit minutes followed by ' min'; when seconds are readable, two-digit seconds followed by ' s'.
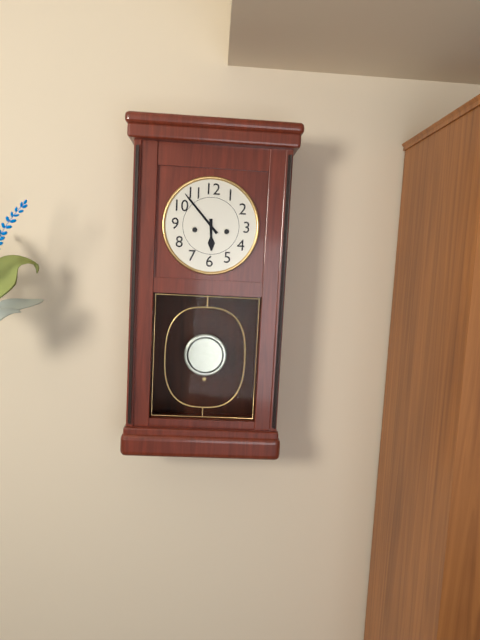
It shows 5 h 53 min
